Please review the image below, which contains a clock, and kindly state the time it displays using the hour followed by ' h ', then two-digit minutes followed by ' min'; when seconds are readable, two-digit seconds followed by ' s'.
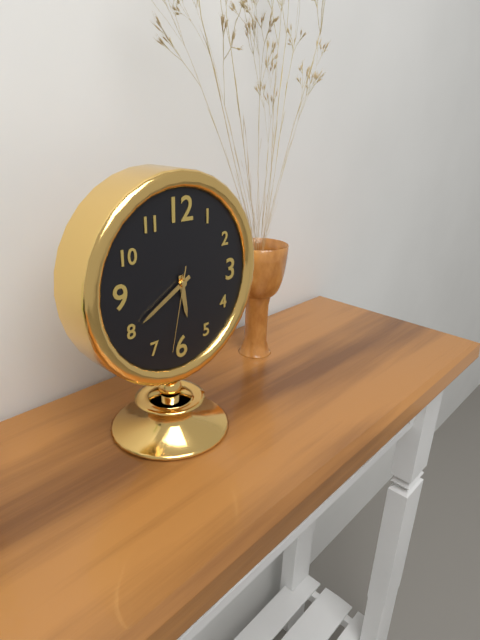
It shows 5 h 40 min 32 s
